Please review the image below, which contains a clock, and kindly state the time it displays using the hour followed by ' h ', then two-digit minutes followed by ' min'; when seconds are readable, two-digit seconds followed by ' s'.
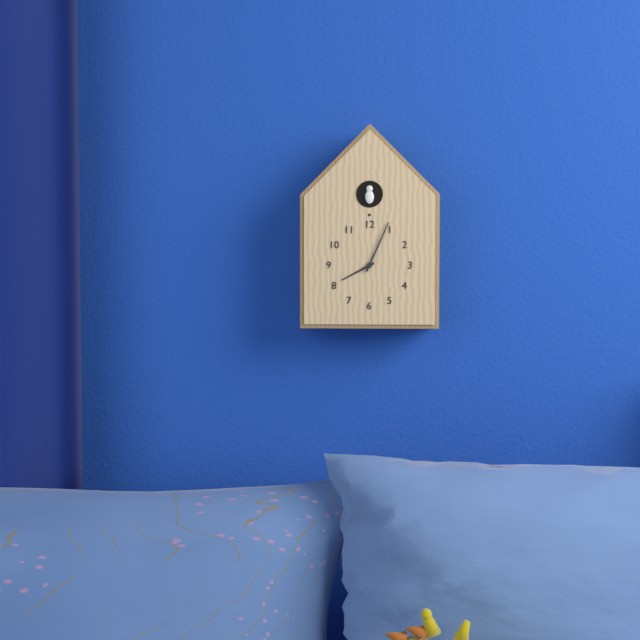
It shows 8 h 04 min
